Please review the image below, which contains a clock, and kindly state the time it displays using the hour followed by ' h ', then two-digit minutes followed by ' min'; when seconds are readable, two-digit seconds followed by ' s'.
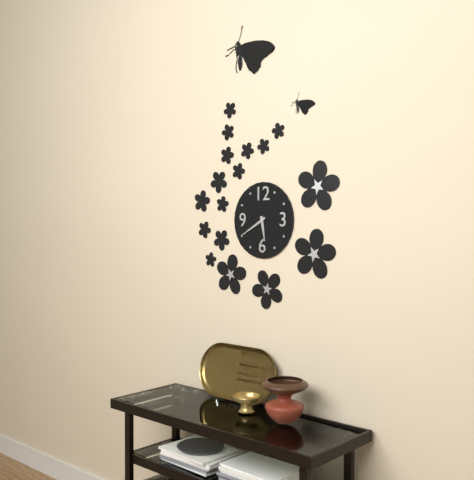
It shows 5 h 40 min
